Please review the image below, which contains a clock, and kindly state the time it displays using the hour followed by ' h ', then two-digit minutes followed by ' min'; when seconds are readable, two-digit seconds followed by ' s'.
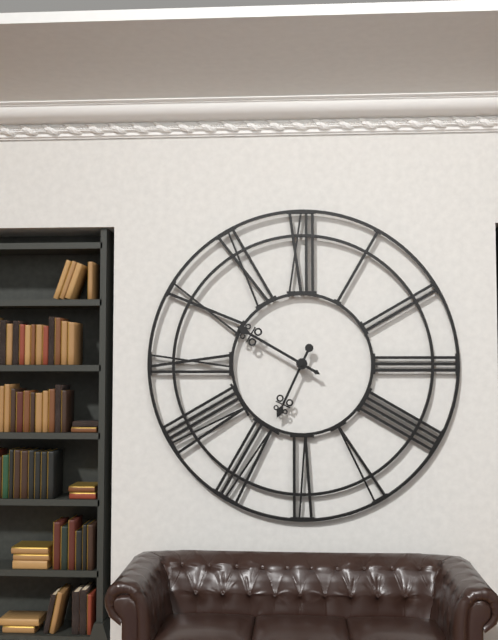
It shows 6 h 50 min
